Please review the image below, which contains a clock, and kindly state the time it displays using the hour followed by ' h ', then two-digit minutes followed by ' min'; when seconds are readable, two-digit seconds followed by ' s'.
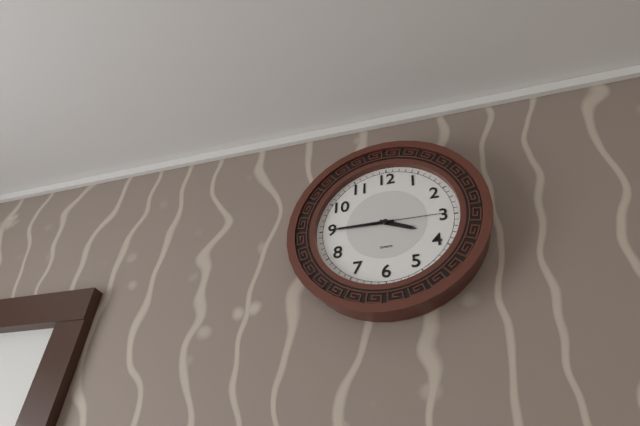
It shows 3 h 45 min 15 s
